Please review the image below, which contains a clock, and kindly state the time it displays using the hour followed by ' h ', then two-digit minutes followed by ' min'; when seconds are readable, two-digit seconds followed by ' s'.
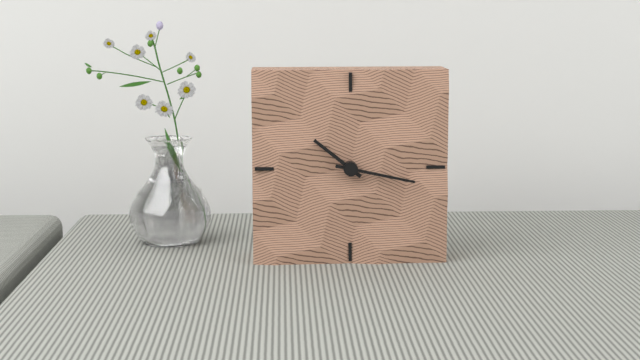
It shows 10 h 17 min
